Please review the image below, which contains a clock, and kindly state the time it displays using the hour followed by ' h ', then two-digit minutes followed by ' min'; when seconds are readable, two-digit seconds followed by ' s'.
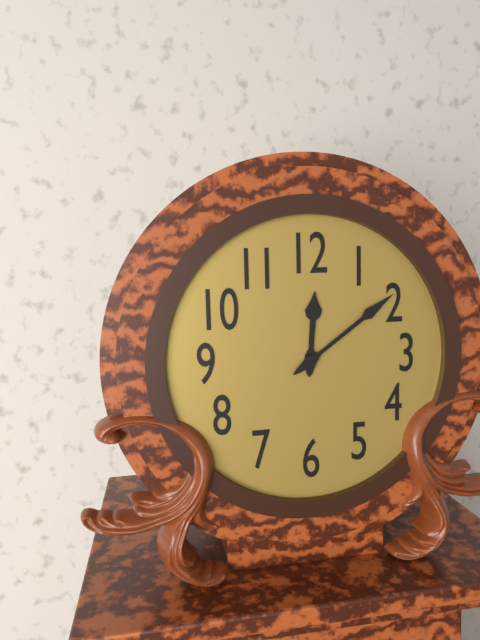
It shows 12 h 09 min
